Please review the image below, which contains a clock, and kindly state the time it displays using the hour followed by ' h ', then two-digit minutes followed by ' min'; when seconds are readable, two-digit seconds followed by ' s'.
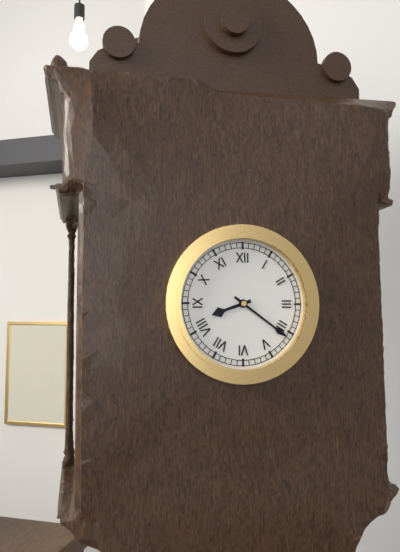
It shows 8 h 21 min
